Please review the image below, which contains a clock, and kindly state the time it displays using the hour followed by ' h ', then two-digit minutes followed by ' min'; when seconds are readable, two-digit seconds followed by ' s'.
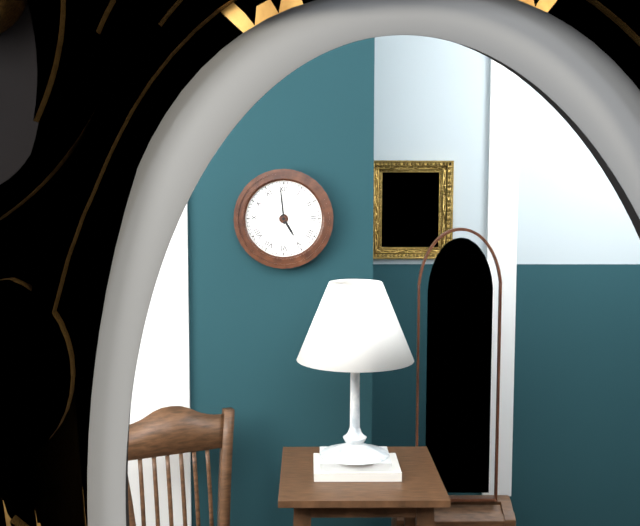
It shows 4 h 59 min
